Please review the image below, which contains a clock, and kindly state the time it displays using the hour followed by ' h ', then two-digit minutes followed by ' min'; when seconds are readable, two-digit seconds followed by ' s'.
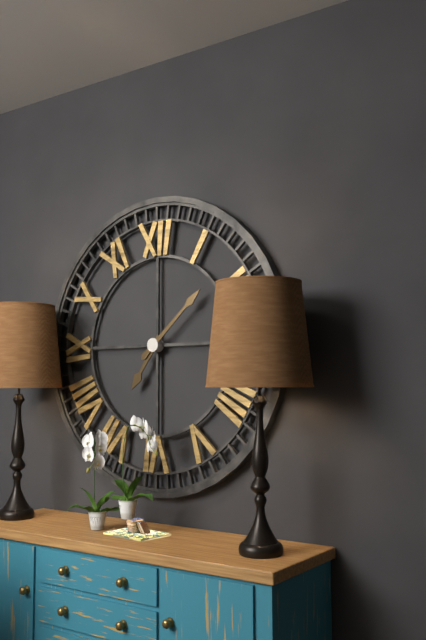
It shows 7 h 08 min
